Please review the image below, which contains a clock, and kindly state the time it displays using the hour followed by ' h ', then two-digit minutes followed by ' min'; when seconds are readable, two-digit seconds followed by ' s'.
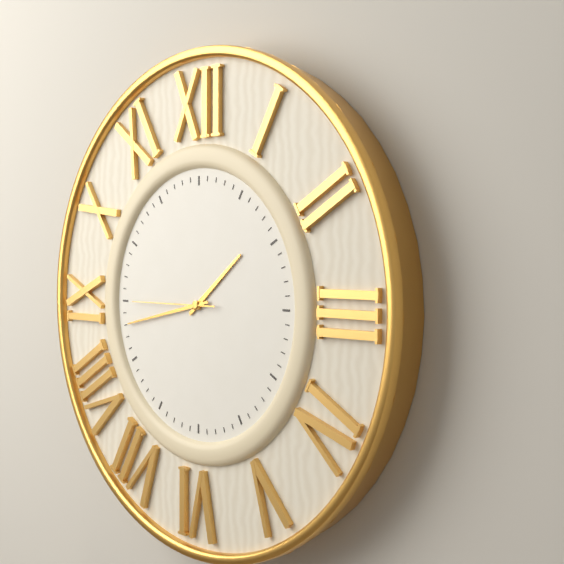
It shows 1 h 43 min 45 s
